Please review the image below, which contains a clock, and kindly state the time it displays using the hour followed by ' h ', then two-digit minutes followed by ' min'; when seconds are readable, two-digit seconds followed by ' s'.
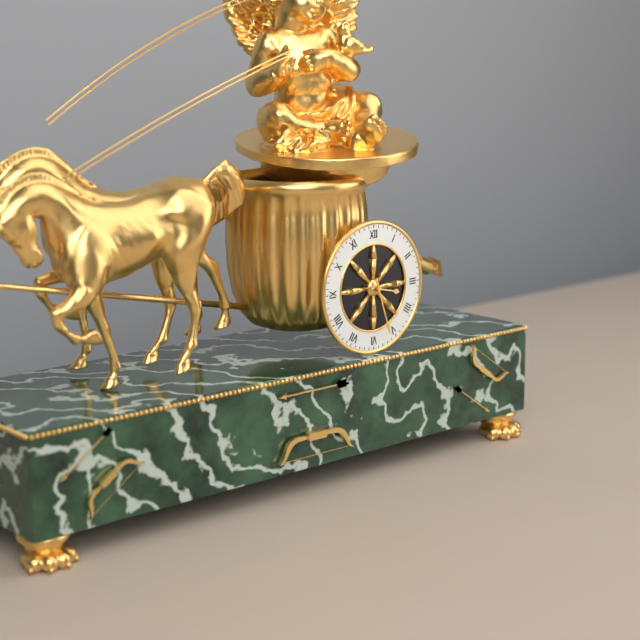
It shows 3 h 27 min
